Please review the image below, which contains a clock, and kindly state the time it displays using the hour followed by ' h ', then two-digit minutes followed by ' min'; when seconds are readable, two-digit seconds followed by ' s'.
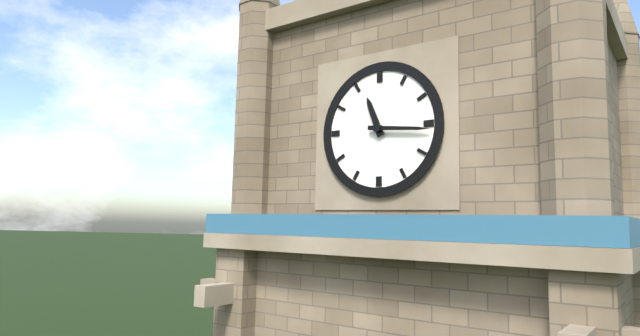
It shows 11 h 16 min
